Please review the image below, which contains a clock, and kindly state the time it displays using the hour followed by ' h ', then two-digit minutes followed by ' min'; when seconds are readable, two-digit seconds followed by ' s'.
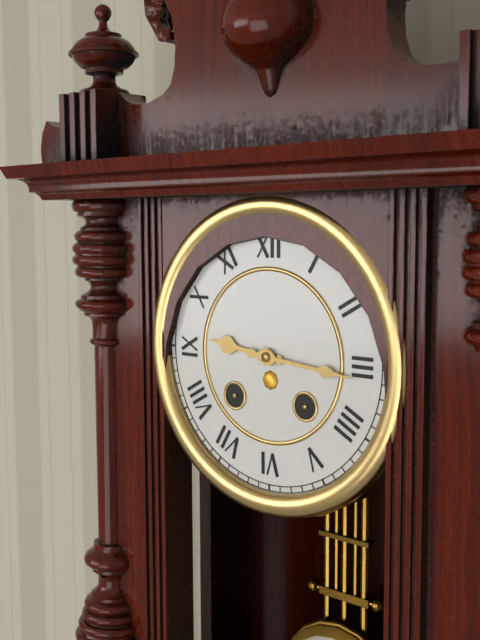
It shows 9 h 16 min
